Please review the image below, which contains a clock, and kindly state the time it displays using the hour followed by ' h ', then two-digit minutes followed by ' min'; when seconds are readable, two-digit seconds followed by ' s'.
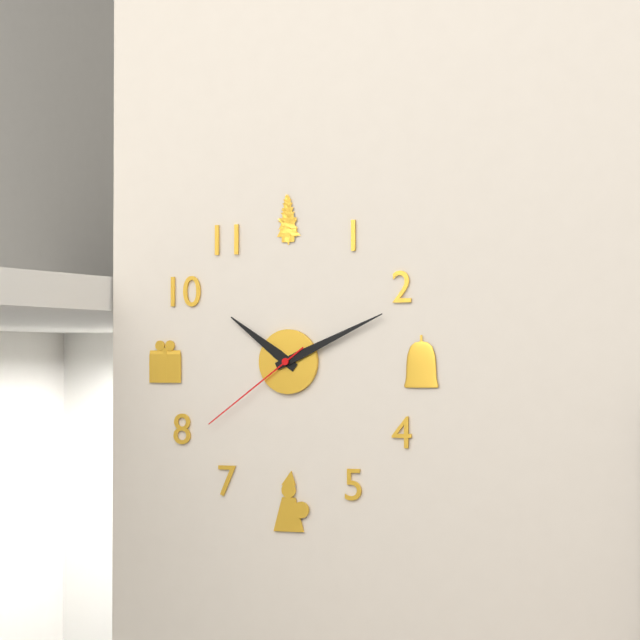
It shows 10 h 11 min 39 s
